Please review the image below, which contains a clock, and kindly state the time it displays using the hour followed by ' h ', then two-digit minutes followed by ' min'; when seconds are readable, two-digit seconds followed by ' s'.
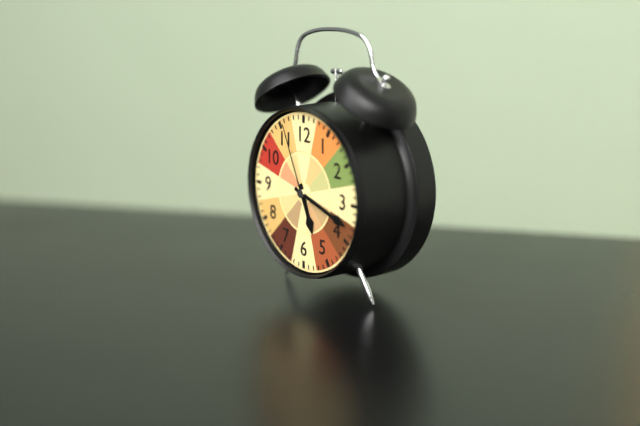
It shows 5 h 18 min 56 s
